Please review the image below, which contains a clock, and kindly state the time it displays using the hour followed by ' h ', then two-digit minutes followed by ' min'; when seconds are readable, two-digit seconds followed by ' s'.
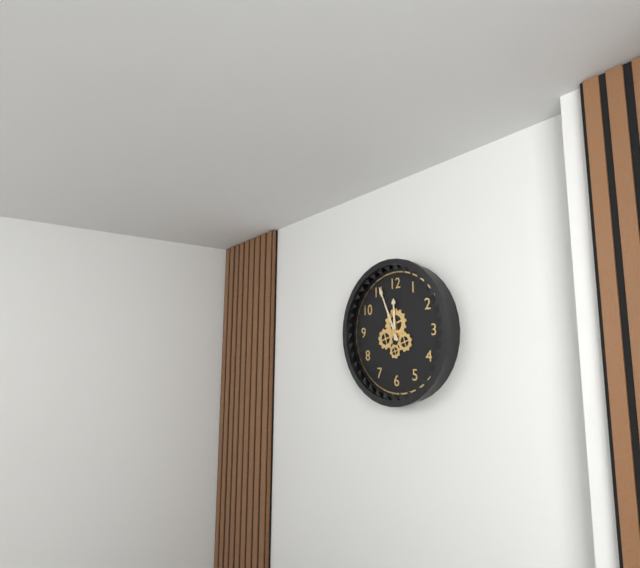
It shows 11 h 56 min
